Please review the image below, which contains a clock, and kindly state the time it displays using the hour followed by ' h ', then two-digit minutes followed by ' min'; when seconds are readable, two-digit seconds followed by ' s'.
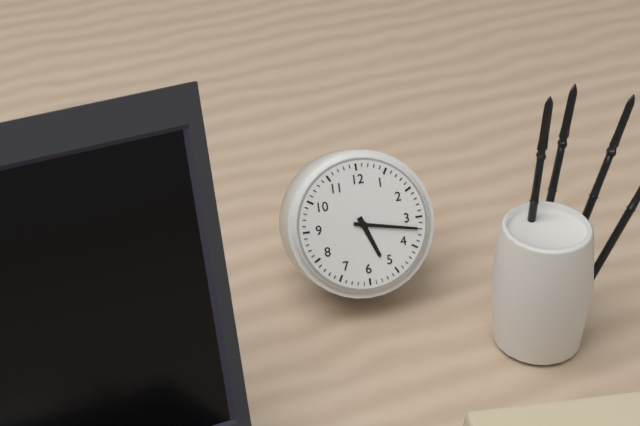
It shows 5 h 17 min
